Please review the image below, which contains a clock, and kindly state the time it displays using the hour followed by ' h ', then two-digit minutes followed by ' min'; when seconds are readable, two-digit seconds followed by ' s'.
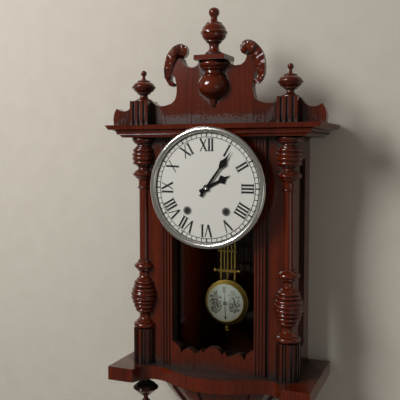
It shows 2 h 06 min
